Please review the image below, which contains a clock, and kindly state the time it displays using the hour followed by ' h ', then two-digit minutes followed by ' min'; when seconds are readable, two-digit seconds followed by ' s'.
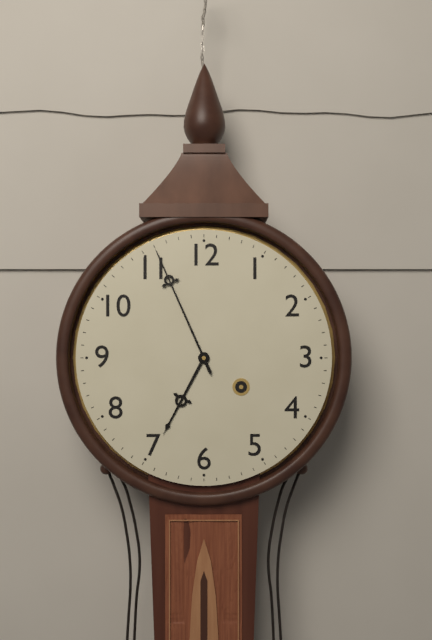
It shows 6 h 56 min
